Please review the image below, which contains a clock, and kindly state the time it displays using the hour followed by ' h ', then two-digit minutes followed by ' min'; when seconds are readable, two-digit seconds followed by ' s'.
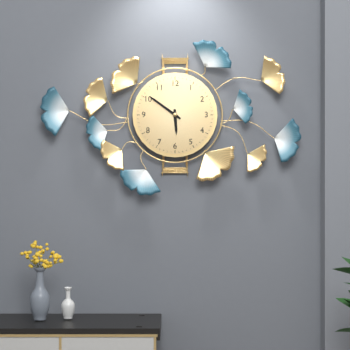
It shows 5 h 51 min
